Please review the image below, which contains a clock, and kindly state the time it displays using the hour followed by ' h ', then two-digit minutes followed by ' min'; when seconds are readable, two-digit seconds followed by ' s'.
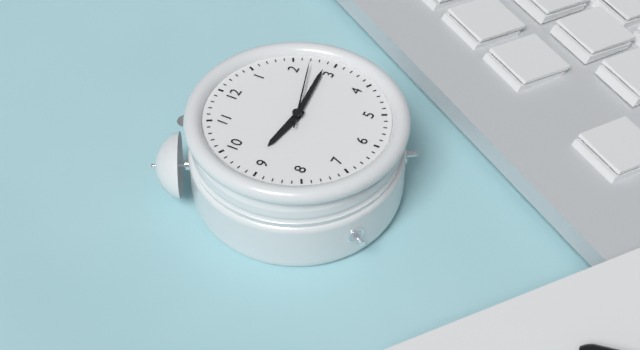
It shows 9 h 14 min 12 s
